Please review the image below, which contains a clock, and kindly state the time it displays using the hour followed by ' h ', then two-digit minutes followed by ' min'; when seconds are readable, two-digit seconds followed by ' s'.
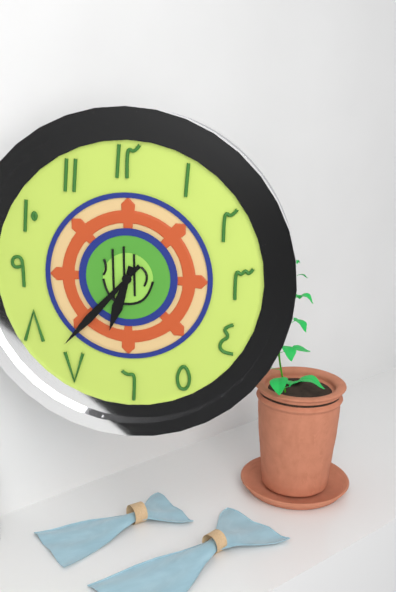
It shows 6 h 37 min
